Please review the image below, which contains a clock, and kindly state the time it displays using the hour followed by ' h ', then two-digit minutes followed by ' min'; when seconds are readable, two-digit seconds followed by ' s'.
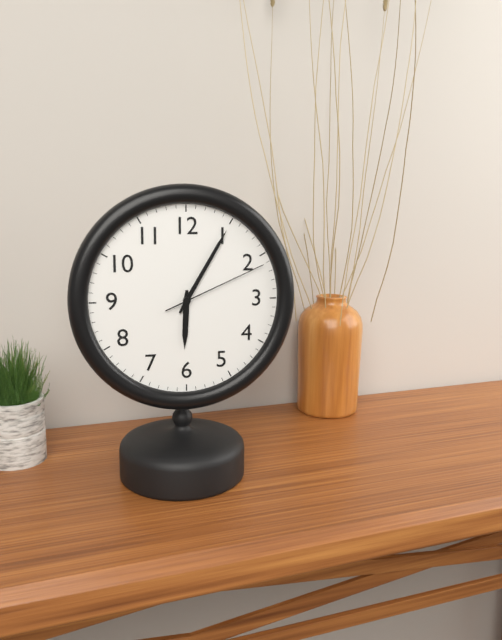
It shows 6 h 05 min 11 s
